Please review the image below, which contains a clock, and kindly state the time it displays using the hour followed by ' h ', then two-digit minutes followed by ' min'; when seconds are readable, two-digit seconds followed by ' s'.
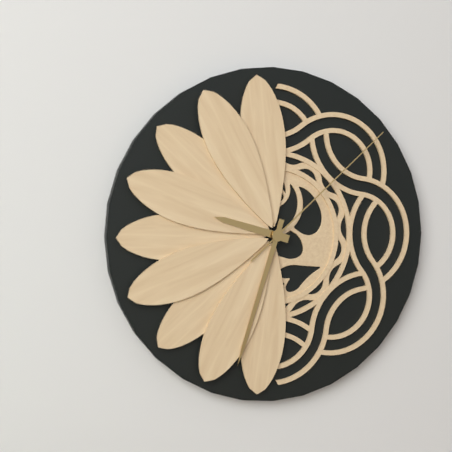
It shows 9 h 33 min 08 s
